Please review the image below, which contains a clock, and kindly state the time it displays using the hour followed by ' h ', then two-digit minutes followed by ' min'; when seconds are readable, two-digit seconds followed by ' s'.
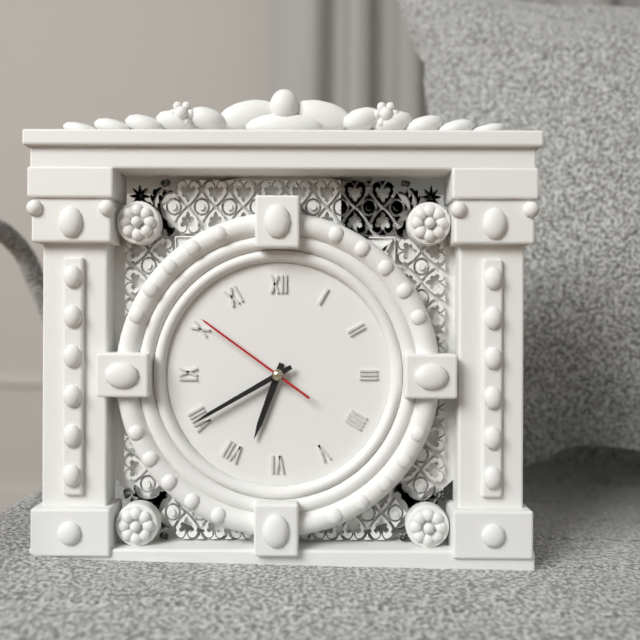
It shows 6 h 40 min 51 s
